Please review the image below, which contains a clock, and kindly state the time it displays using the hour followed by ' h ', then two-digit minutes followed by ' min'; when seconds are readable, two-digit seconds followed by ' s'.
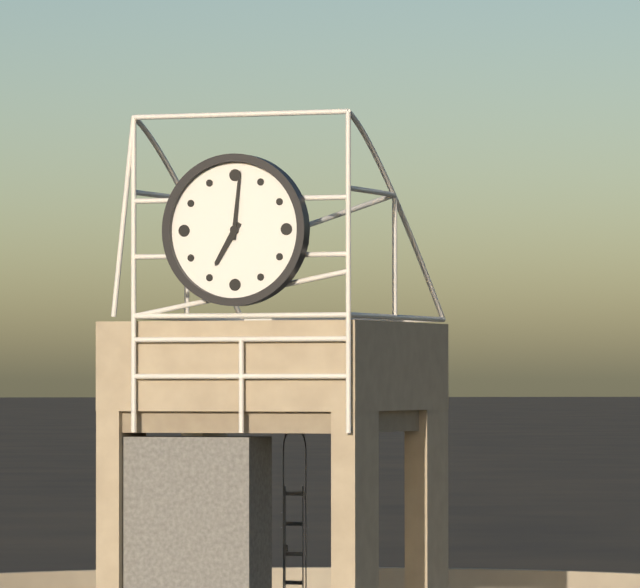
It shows 7 h 01 min
